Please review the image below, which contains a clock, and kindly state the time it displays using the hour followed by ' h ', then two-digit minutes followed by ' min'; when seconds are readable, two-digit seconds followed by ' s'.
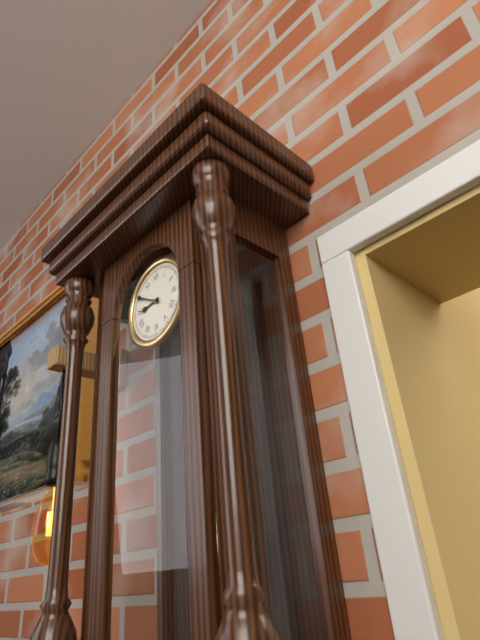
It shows 8 h 50 min
